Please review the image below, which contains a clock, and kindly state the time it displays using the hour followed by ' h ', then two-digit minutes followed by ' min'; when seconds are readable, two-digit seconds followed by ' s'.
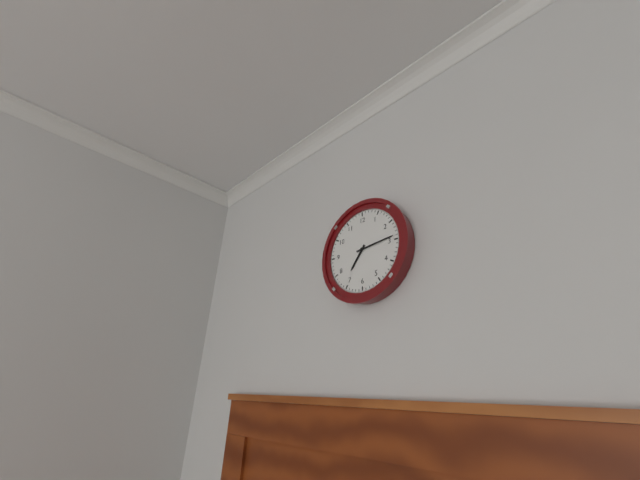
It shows 7 h 14 min
